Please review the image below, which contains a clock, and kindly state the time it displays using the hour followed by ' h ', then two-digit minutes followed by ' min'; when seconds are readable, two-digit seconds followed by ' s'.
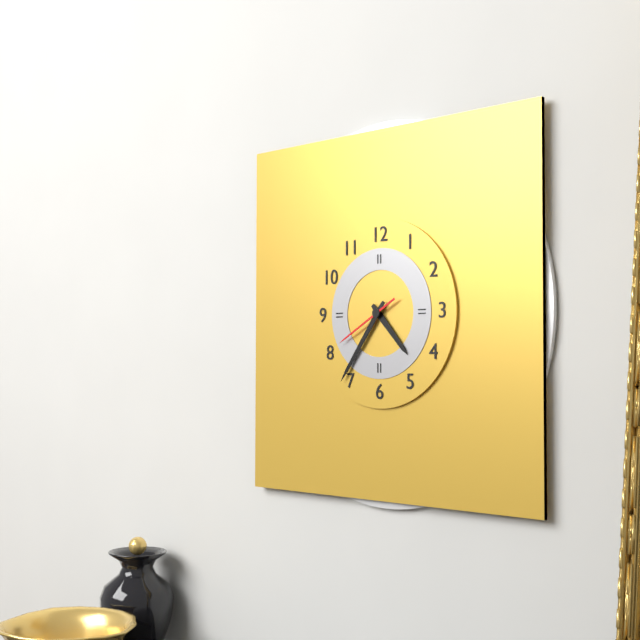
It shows 4 h 36 min 40 s
